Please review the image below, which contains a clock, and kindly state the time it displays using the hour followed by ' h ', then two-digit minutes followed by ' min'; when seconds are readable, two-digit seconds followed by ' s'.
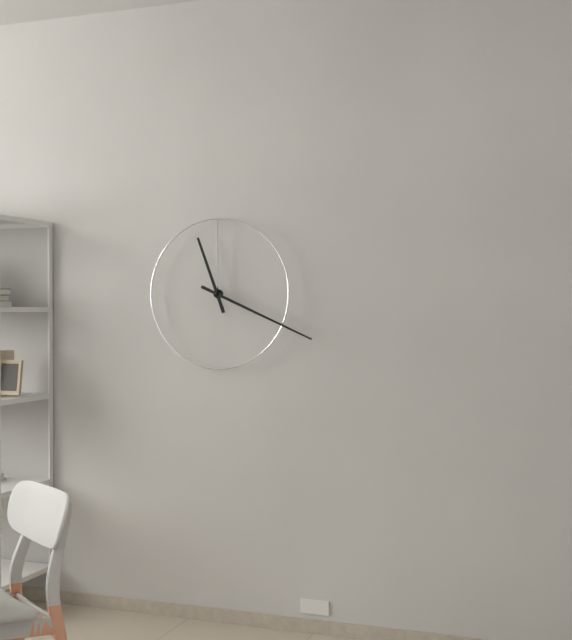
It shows 11 h 19 min
